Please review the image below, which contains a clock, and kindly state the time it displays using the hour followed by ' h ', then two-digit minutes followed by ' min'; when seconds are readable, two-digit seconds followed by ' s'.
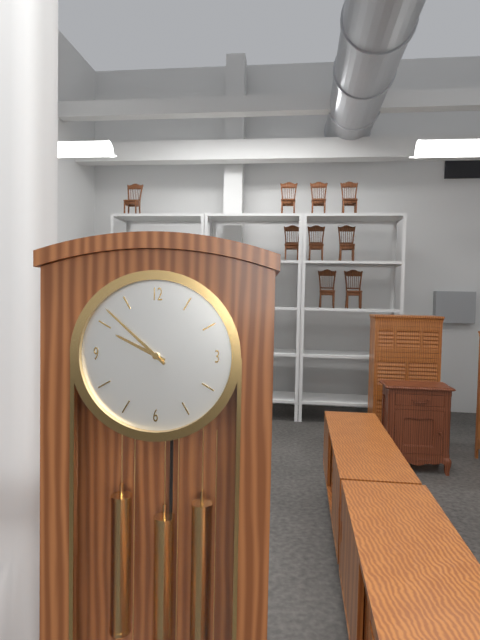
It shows 9 h 52 min
